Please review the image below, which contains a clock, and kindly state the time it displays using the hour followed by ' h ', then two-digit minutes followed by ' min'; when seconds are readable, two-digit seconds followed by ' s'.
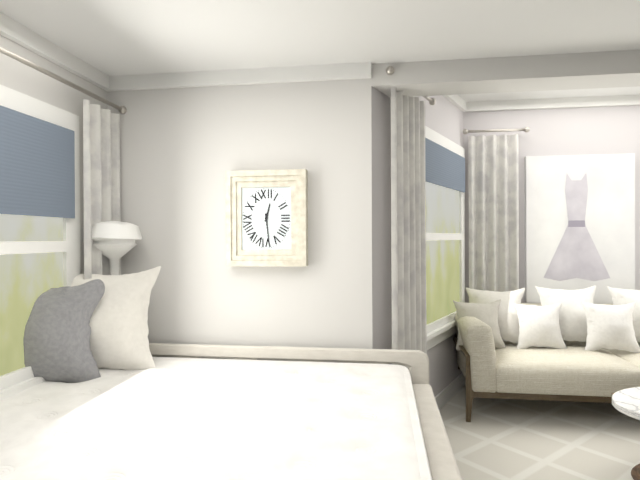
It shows 12 h 29 min
